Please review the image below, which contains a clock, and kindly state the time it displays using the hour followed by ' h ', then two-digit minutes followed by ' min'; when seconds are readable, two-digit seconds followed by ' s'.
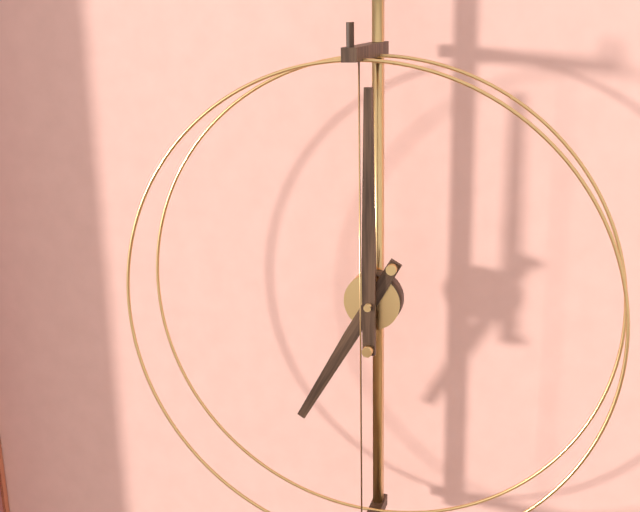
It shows 7 h 00 min
